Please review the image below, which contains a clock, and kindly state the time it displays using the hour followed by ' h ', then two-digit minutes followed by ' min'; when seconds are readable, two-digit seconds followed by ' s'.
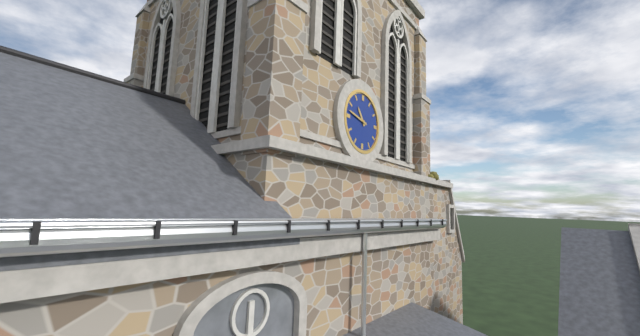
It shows 10 h 47 min
